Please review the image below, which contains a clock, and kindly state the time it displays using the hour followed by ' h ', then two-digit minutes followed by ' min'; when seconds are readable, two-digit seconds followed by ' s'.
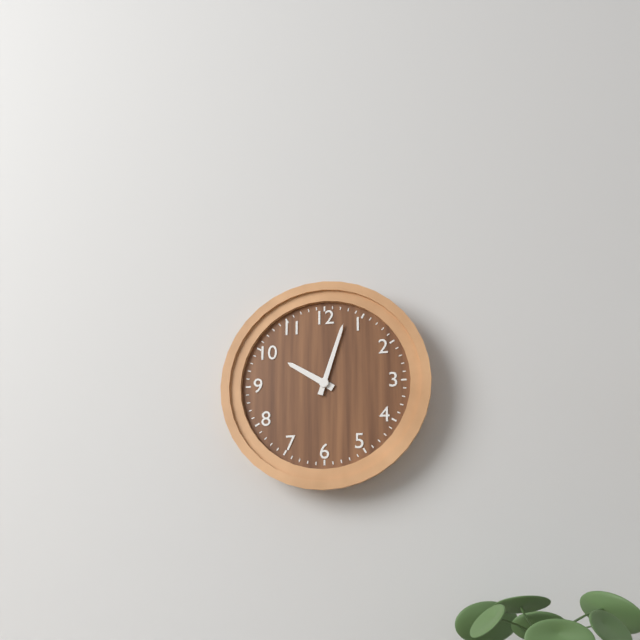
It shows 10 h 03 min
